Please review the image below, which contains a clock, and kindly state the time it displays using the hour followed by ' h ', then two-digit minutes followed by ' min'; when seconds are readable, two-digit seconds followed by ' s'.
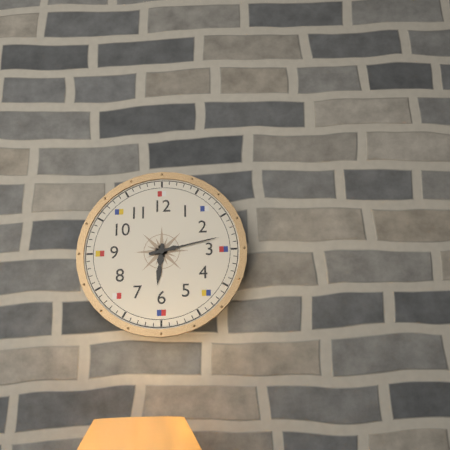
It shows 6 h 13 min
